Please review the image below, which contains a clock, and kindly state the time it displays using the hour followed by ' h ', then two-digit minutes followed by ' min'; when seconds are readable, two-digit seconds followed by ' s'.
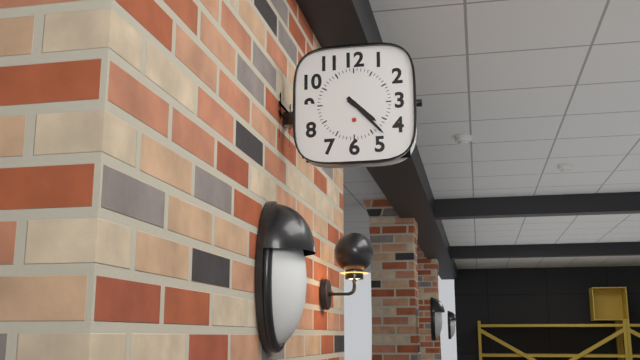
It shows 4 h 23 min
